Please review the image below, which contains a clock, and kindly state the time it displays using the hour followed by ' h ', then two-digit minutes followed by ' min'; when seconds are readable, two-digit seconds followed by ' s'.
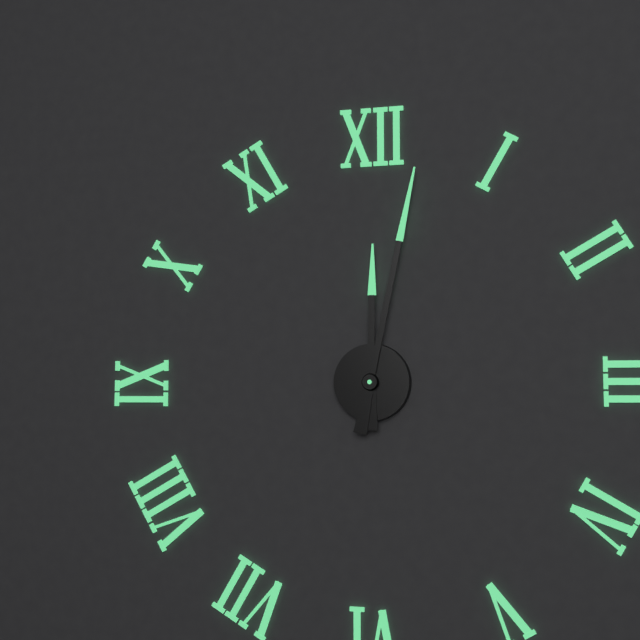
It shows 12 h 02 min
